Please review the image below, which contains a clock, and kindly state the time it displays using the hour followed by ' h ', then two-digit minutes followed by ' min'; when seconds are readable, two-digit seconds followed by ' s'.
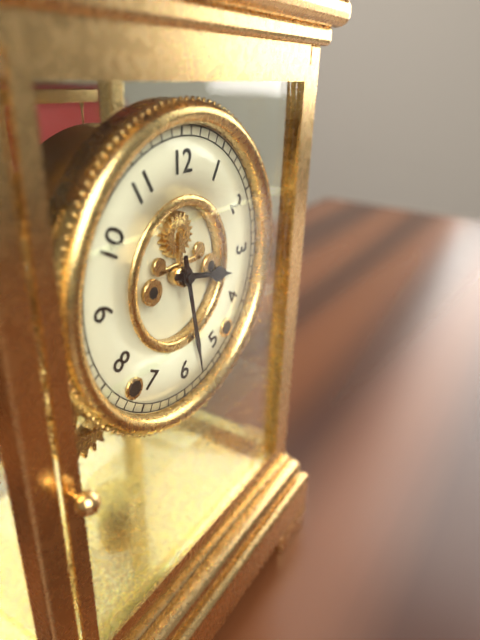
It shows 3 h 28 min
